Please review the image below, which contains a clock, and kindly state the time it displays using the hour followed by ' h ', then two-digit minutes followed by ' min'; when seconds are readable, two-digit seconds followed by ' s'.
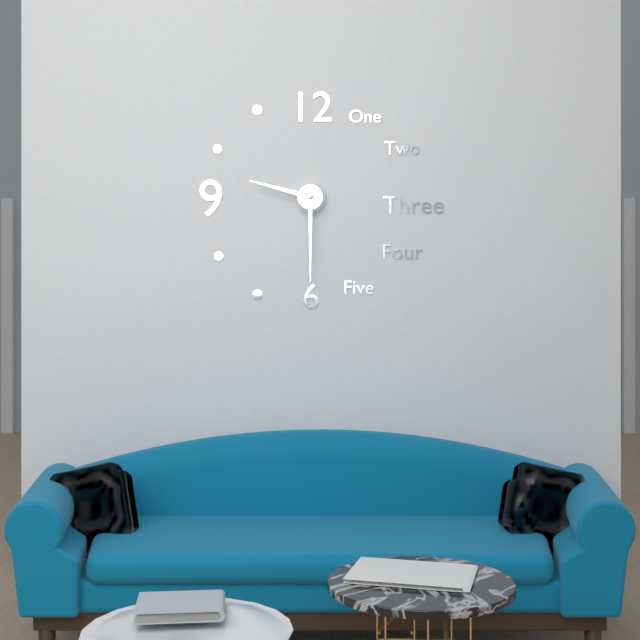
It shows 9 h 30 min
